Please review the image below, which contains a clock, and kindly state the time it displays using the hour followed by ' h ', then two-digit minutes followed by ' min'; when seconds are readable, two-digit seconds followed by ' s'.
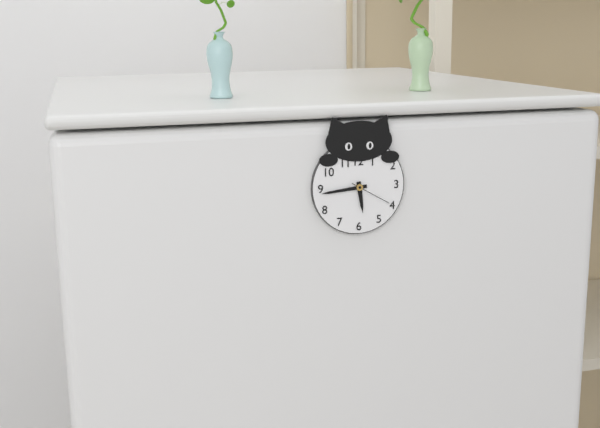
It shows 5 h 44 min
